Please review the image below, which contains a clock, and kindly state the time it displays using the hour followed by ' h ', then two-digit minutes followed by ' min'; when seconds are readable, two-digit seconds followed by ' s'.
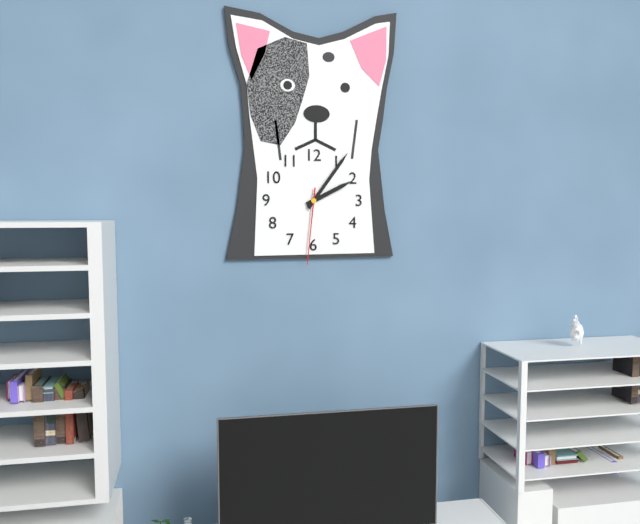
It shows 2 h 06 min 31 s
